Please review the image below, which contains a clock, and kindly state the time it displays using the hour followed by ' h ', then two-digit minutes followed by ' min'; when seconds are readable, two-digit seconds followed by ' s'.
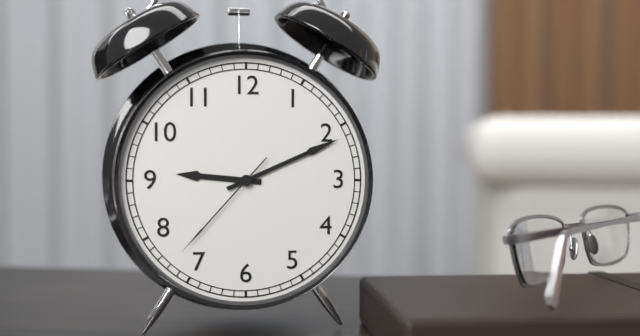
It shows 9 h 11 min 37 s
